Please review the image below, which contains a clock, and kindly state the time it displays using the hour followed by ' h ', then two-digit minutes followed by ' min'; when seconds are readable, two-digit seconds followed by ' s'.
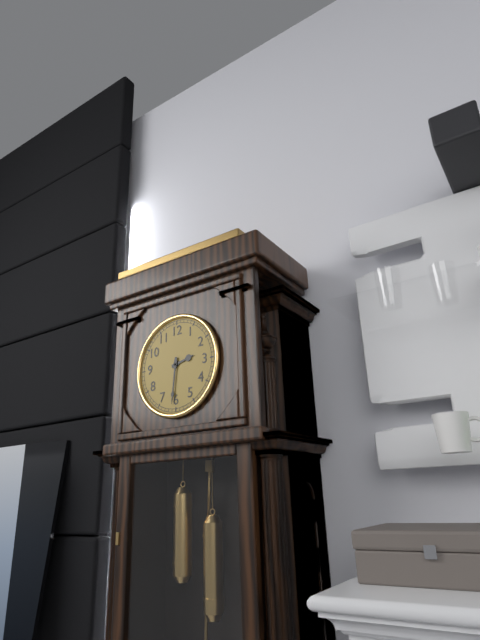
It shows 2 h 31 min
